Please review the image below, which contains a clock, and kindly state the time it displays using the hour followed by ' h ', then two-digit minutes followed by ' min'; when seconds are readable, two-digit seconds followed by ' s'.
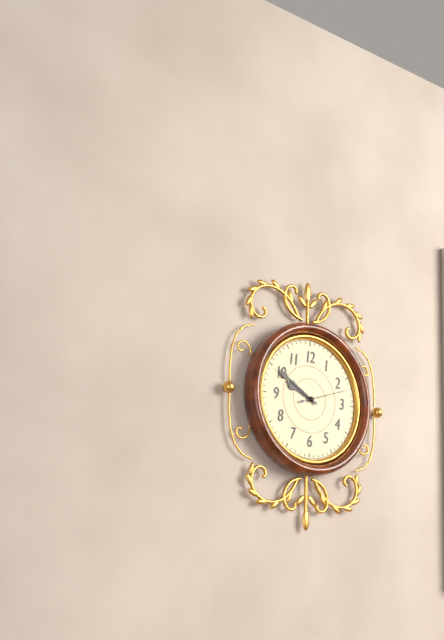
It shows 9 h 50 min
